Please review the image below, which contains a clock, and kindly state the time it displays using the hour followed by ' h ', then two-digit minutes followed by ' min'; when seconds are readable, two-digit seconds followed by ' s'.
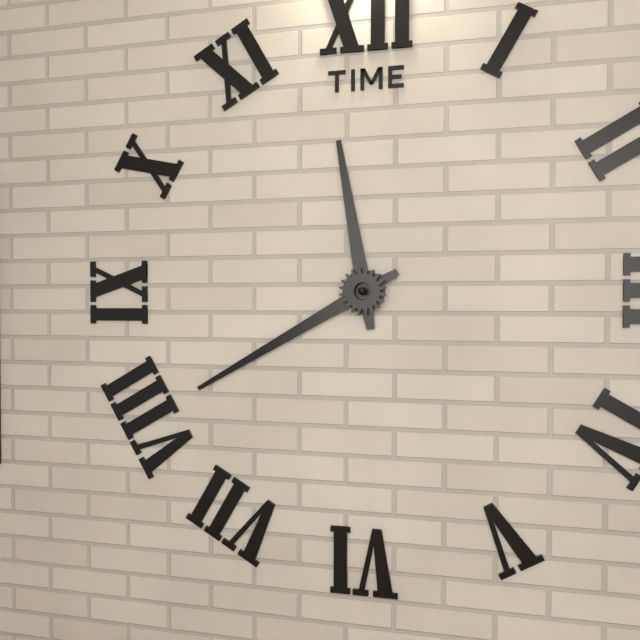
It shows 11 h 40 min
